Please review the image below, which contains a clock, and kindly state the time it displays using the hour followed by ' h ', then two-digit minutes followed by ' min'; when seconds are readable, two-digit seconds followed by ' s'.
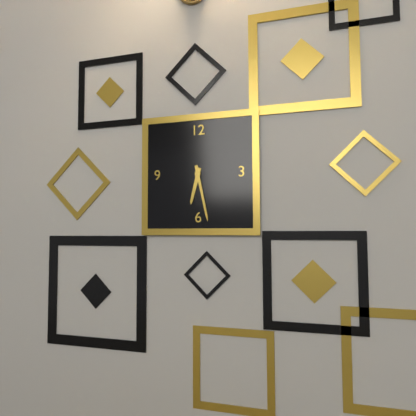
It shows 6 h 28 min
